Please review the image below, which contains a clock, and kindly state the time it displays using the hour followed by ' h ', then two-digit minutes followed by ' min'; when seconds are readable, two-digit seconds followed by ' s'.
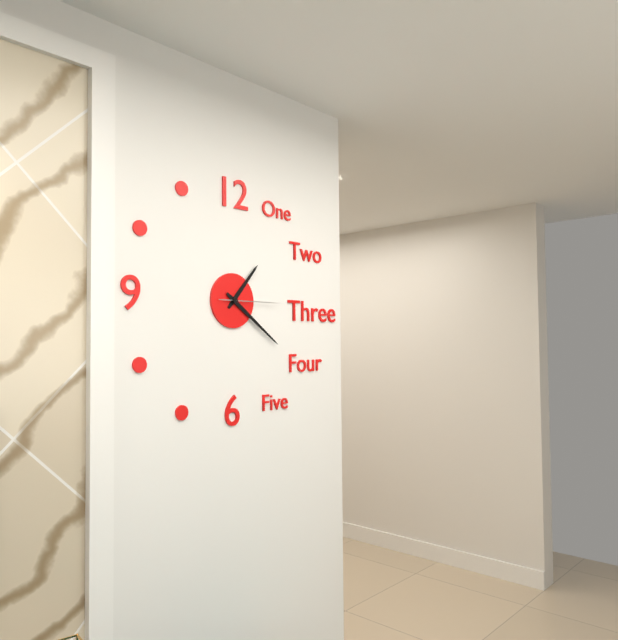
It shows 1 h 21 min 15 s
